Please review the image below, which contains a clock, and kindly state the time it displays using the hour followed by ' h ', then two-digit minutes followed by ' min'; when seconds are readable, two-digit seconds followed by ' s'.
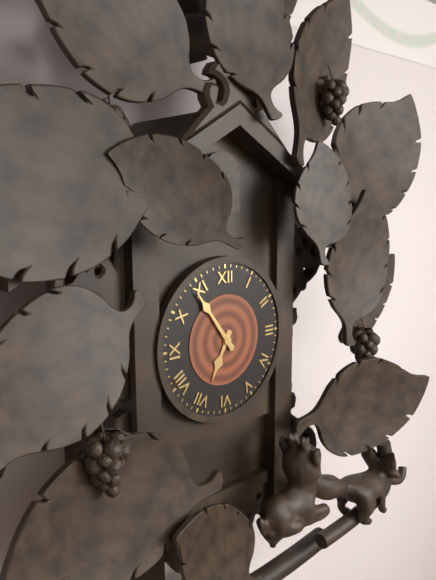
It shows 6 h 54 min
